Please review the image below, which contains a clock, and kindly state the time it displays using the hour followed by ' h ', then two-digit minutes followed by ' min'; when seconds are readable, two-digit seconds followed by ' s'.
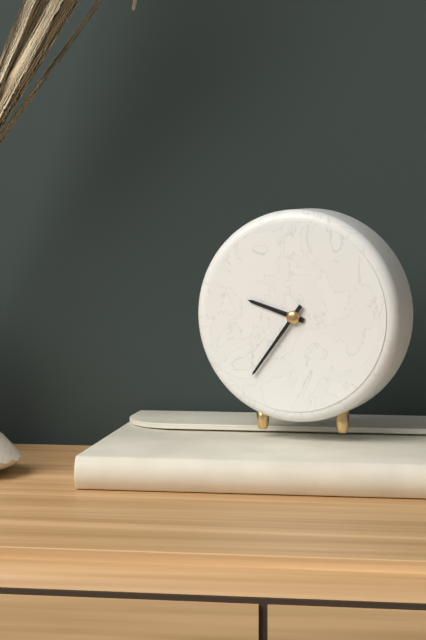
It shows 9 h 36 min
